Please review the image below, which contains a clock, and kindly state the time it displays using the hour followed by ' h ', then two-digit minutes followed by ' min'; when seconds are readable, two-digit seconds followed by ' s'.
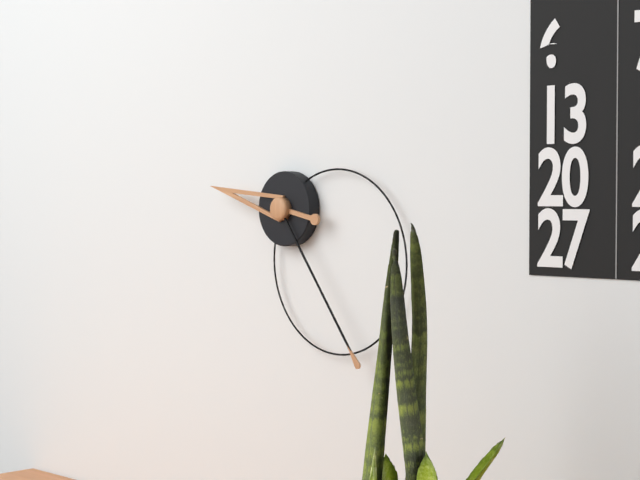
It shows 9 h 24 min
